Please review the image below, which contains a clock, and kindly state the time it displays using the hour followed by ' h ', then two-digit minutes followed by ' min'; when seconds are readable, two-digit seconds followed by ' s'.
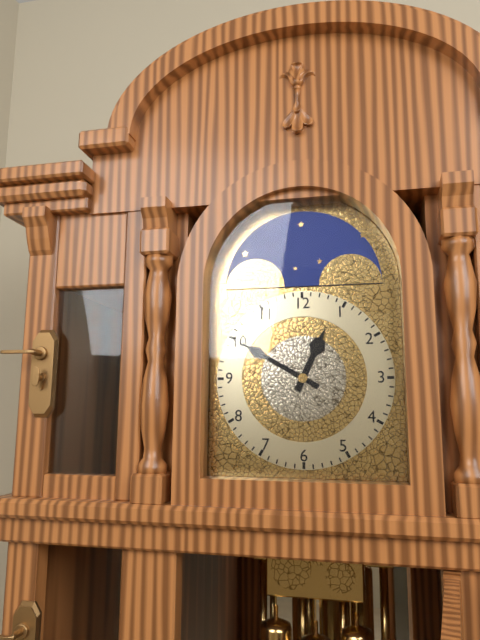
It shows 12 h 50 min
